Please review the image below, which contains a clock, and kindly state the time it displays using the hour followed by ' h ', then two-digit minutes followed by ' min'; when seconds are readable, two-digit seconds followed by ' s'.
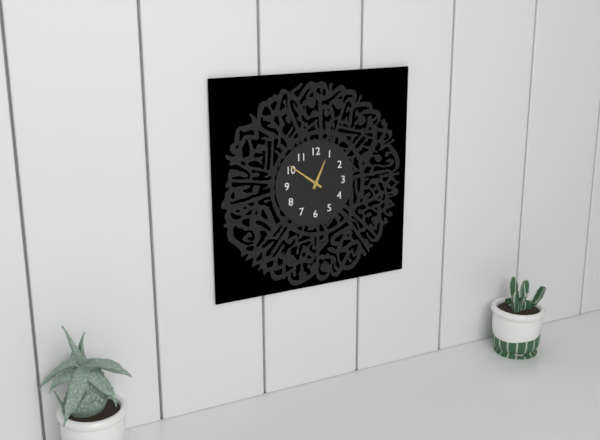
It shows 12 h 51 min
